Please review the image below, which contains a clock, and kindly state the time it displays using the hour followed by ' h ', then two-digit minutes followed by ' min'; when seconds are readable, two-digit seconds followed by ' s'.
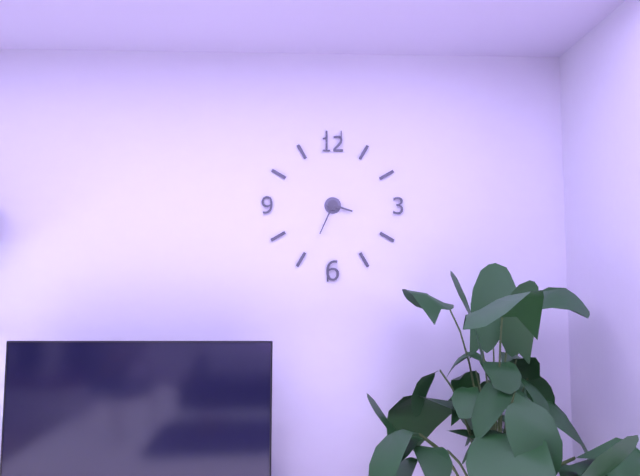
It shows 3 h 34 min
